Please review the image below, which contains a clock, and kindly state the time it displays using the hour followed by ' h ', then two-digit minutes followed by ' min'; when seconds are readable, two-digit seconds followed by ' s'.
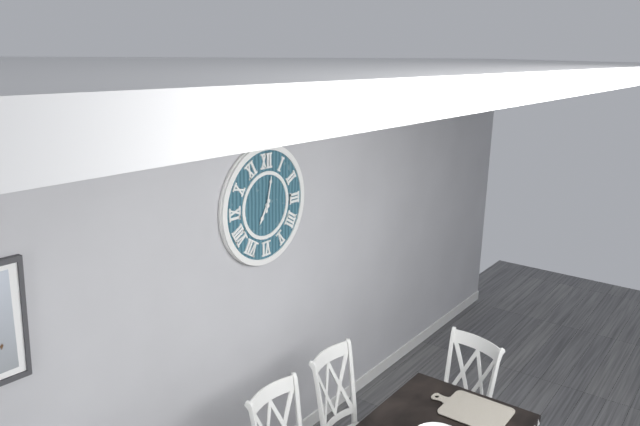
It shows 7 h 02 min
